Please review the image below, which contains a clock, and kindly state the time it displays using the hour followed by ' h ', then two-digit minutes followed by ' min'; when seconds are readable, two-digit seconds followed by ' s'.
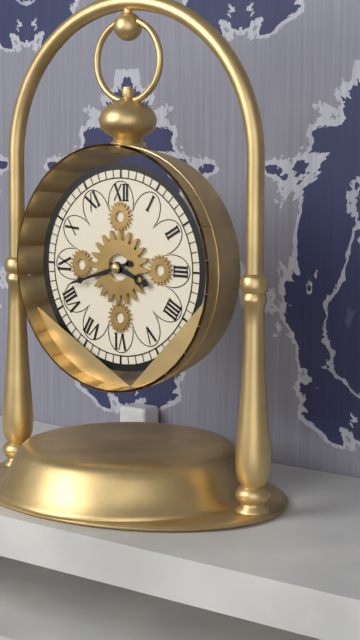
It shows 3 h 42 min
